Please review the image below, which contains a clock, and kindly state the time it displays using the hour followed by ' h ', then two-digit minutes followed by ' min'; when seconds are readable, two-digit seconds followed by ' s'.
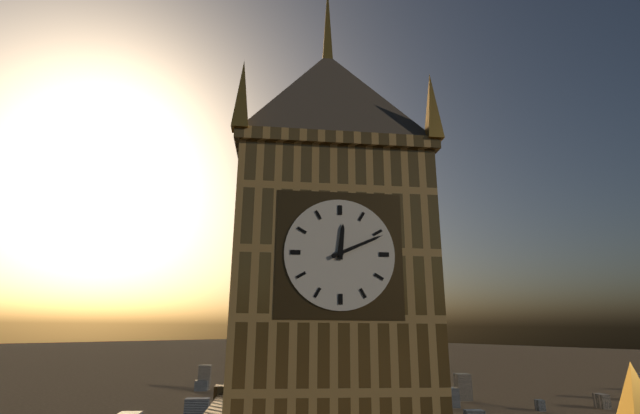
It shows 12 h 11 min
